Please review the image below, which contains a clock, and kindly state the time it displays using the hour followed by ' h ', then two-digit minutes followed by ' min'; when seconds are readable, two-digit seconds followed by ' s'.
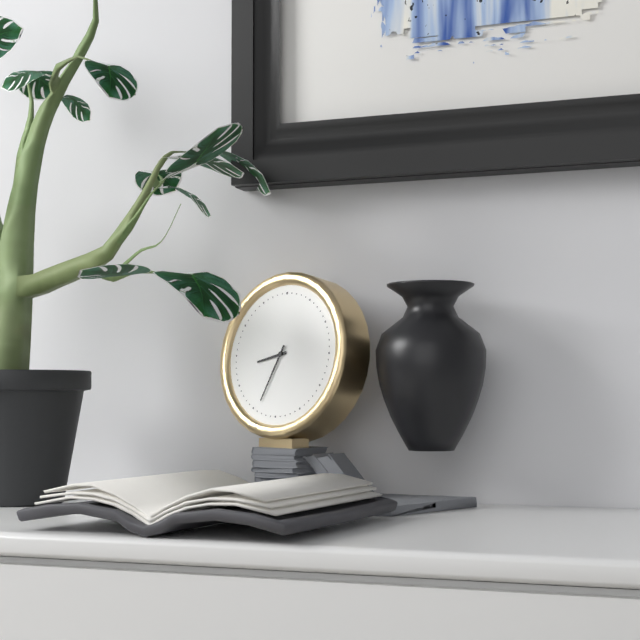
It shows 8 h 34 min
